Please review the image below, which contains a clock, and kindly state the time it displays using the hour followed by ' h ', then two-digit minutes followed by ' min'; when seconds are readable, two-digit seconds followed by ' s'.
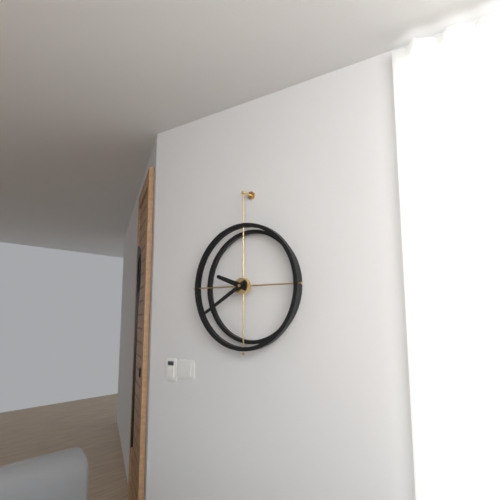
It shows 9 h 40 min
